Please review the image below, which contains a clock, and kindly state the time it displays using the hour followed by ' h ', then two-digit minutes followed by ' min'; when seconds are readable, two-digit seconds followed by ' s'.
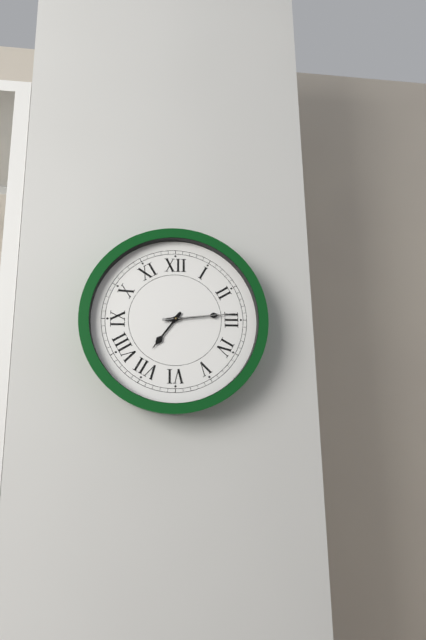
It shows 7 h 14 min 14 s
